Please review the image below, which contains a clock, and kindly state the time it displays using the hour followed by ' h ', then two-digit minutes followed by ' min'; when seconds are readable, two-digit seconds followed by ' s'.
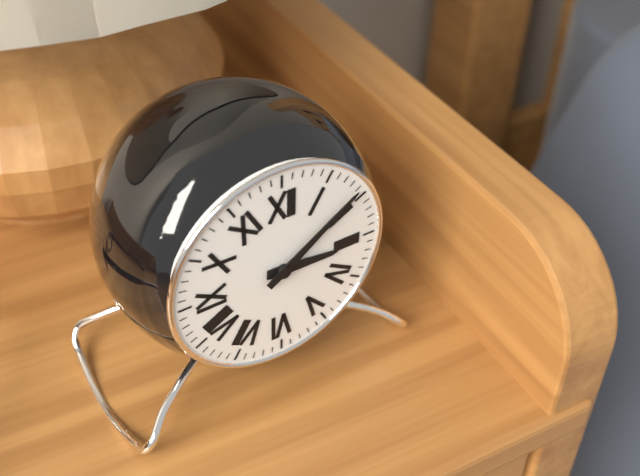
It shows 3 h 09 min
